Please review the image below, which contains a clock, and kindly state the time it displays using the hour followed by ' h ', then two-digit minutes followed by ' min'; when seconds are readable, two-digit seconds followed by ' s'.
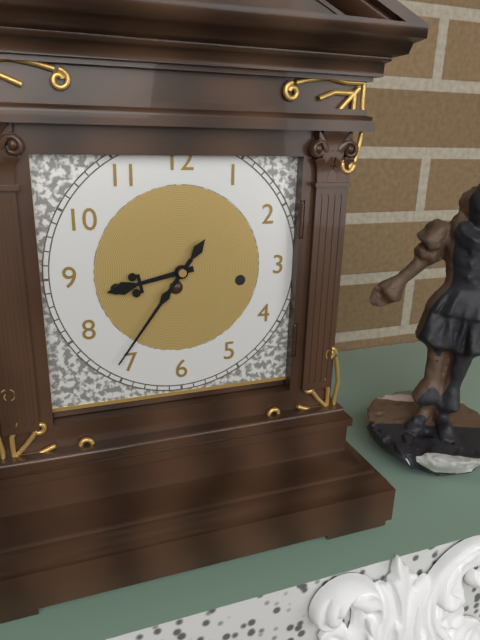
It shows 8 h 36 min
